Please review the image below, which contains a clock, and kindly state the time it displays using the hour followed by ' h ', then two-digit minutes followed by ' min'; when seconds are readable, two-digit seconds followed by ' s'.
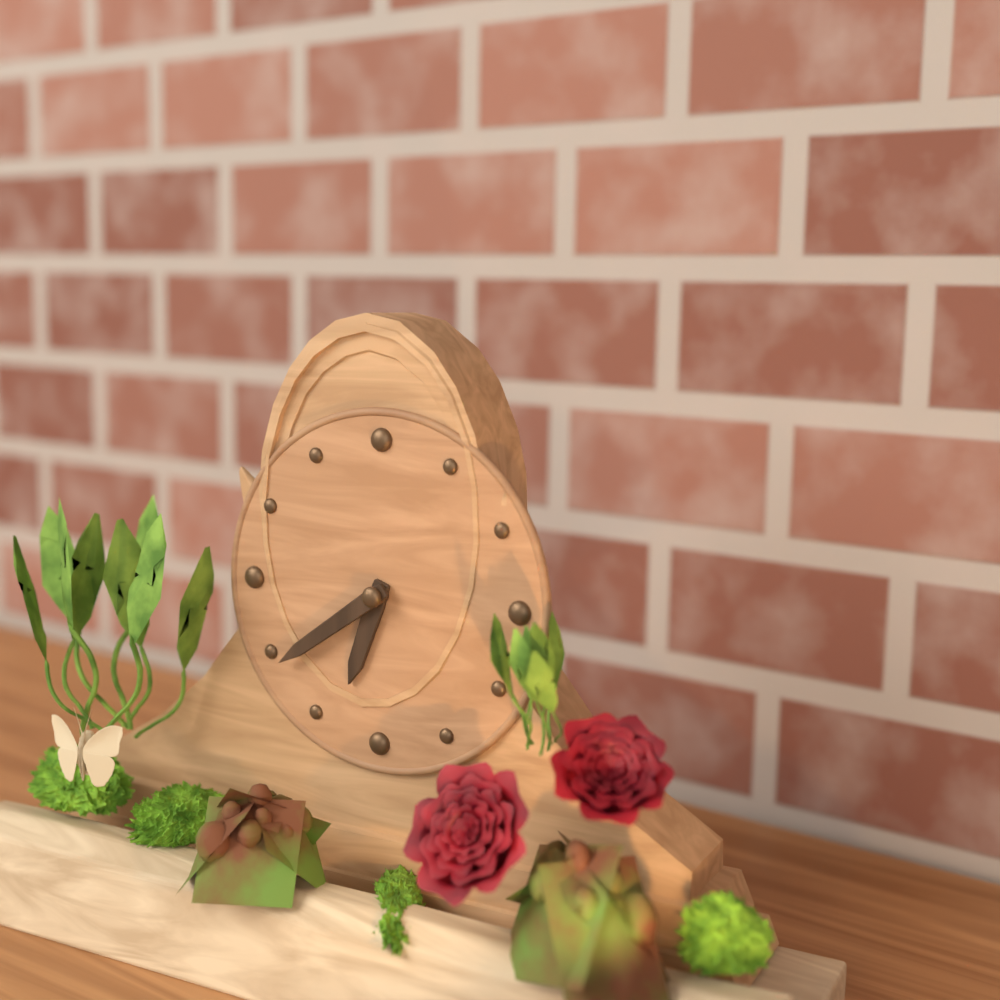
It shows 6 h 39 min
